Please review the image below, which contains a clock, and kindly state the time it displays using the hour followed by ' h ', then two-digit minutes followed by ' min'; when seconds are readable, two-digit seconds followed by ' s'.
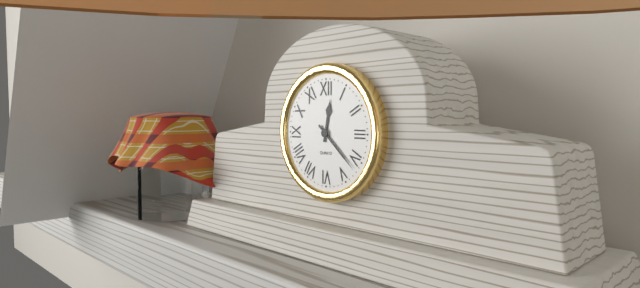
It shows 12 h 22 min
